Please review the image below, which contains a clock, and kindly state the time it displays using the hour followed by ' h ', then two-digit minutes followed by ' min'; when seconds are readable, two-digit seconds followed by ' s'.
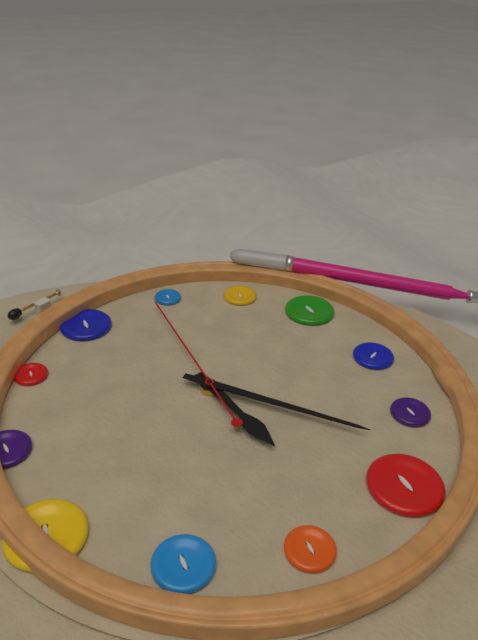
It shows 8 h 38 min 15 s
